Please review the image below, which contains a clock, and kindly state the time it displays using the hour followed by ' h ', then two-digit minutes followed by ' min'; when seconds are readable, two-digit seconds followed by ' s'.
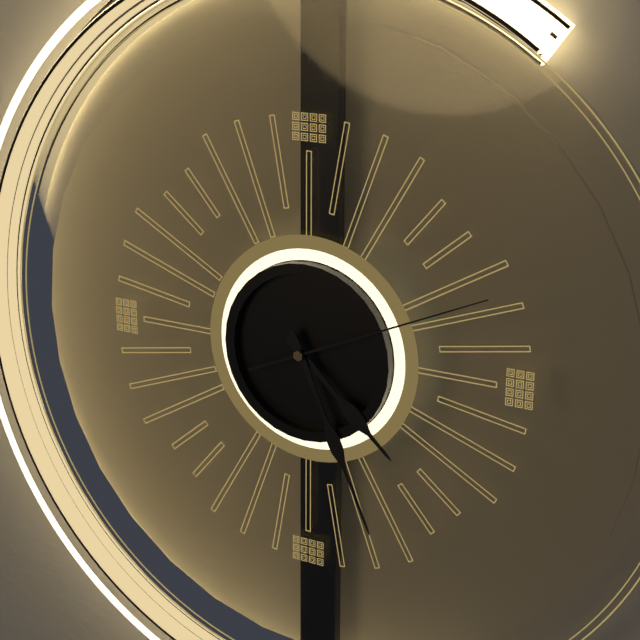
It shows 4 h 26 min 11 s
